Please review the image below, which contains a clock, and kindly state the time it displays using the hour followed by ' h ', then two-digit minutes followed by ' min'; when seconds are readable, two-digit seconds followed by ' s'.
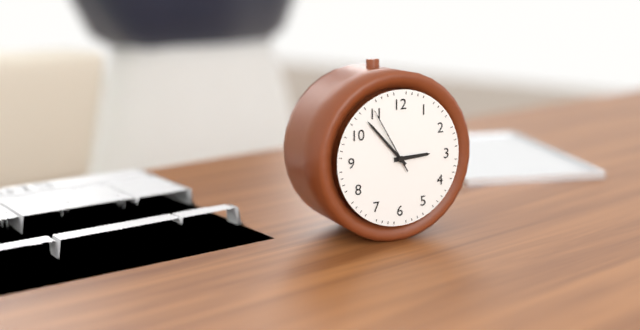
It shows 2 h 53 min 55 s
